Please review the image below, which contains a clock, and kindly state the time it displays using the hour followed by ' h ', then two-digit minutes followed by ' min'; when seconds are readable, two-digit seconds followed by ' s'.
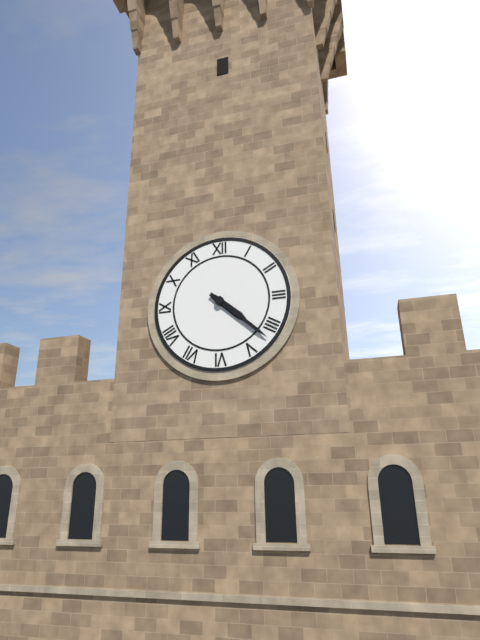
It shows 4 h 22 min
